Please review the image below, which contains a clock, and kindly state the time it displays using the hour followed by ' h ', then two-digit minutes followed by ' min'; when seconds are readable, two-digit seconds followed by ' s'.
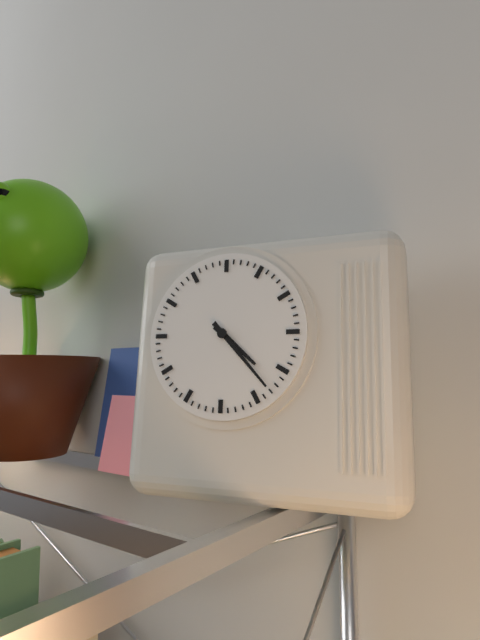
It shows 4 h 23 min
